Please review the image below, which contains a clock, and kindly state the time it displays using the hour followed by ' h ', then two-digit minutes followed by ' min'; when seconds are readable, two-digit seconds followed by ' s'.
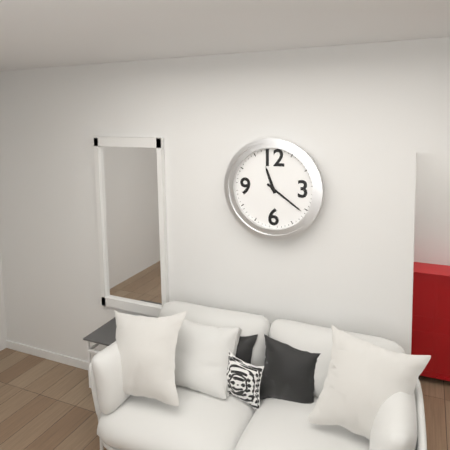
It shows 11 h 21 min
